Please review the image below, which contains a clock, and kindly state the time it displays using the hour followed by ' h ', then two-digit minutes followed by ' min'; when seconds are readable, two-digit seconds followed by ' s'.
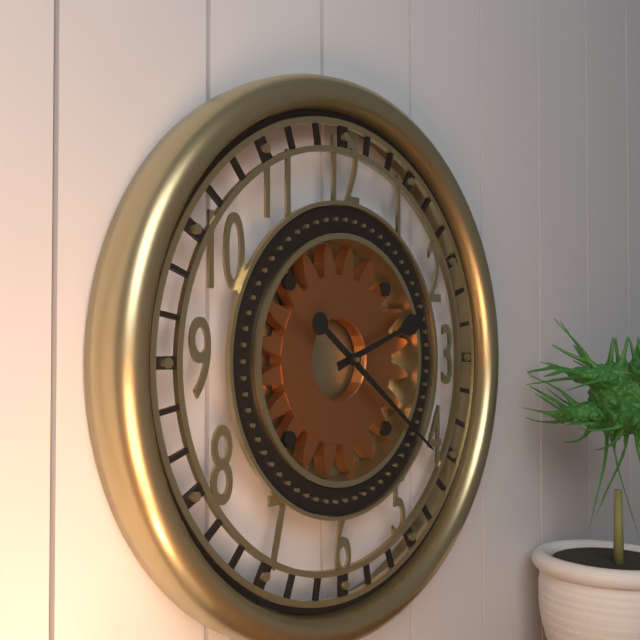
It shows 2 h 21 min
